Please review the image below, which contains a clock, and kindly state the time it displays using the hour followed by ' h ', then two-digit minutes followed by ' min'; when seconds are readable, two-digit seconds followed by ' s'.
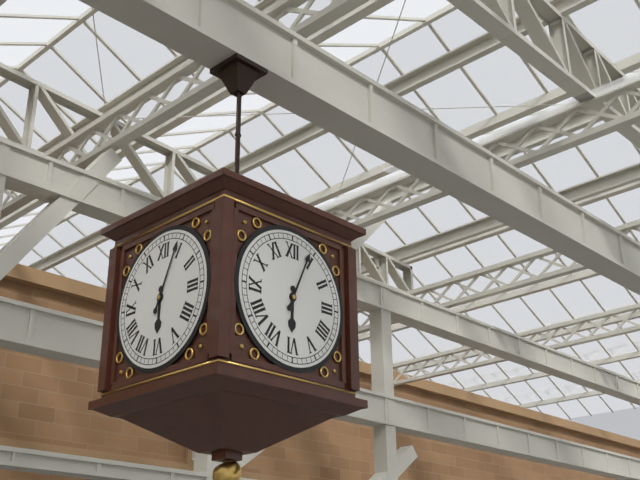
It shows 6 h 04 min
